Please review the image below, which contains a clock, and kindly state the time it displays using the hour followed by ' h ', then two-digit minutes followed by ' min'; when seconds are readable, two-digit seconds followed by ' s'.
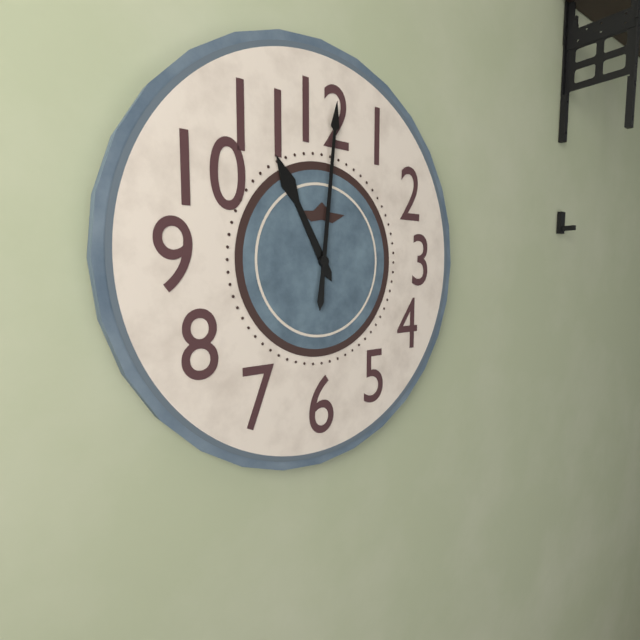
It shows 11 h 01 min
